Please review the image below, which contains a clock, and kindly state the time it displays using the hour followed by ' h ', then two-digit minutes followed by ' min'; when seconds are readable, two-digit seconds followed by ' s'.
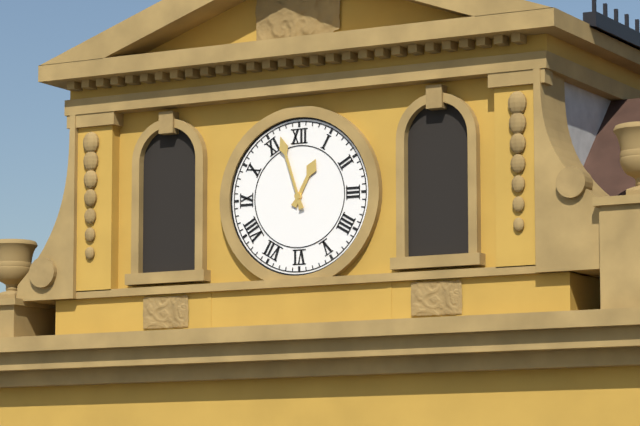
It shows 12 h 57 min
